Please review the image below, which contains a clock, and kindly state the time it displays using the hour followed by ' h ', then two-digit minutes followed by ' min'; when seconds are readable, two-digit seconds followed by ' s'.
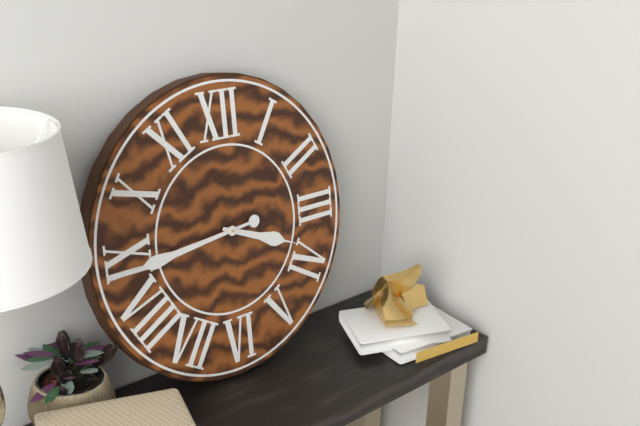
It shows 3 h 44 min
